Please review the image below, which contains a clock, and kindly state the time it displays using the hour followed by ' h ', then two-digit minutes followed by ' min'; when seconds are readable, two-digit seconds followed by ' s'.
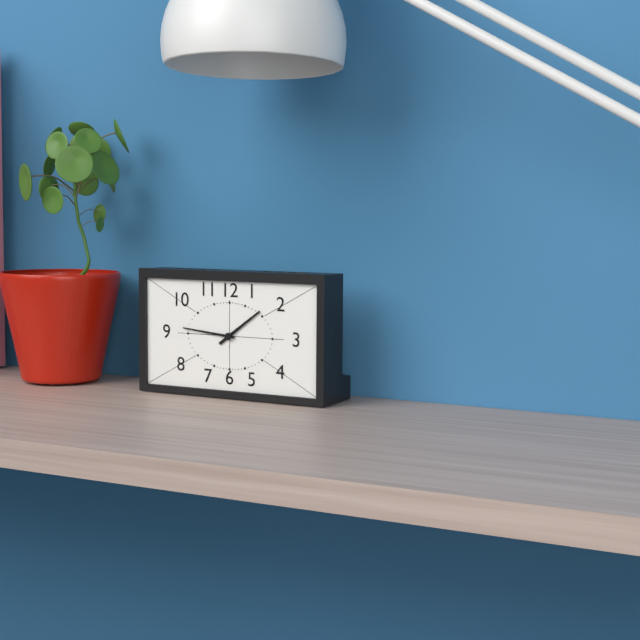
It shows 1 h 46 min
